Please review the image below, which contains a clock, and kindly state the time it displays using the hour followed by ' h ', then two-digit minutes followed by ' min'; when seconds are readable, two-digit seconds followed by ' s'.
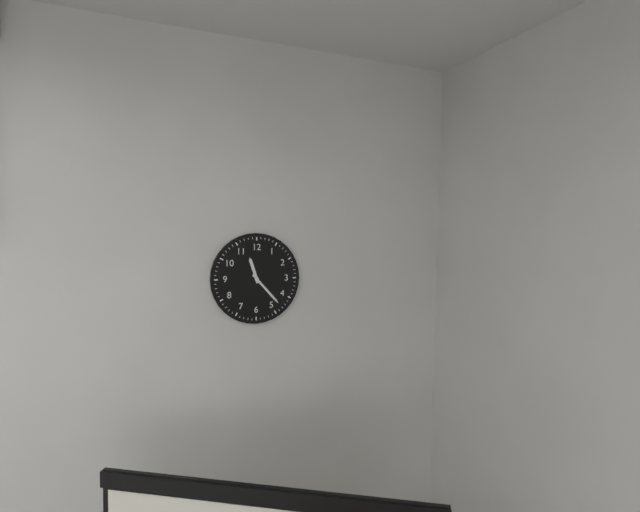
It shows 11 h 23 min
